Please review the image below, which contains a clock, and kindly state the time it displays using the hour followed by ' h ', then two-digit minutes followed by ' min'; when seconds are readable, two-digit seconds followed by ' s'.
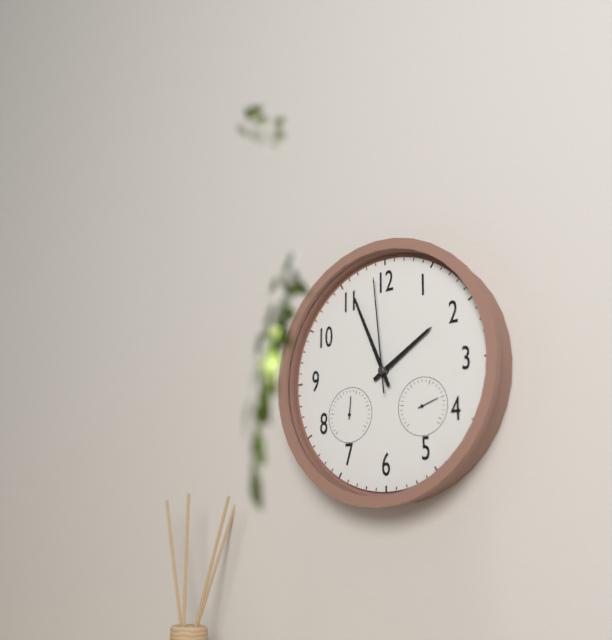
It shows 1 h 56 min 59 s
